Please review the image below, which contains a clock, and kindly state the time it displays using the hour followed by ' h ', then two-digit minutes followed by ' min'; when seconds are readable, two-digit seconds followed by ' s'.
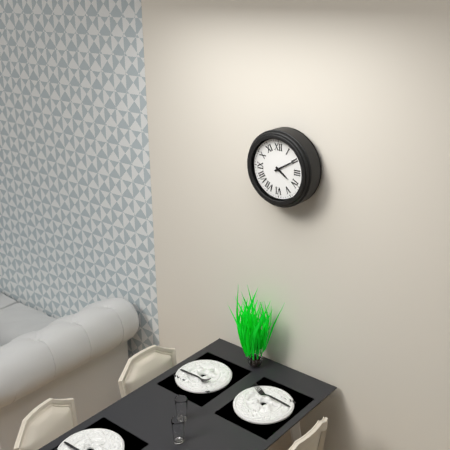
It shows 4 h 10 min
